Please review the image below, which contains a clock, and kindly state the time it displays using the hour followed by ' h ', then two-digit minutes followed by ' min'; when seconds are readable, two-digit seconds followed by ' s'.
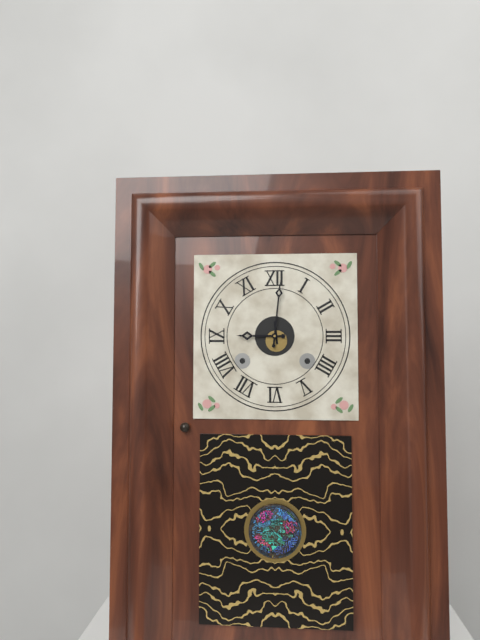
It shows 9 h 01 min
